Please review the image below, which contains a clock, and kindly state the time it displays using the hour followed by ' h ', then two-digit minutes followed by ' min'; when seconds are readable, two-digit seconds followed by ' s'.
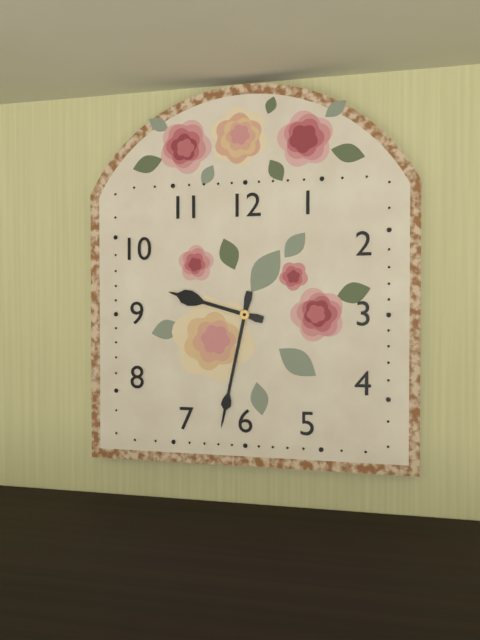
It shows 9 h 32 min
